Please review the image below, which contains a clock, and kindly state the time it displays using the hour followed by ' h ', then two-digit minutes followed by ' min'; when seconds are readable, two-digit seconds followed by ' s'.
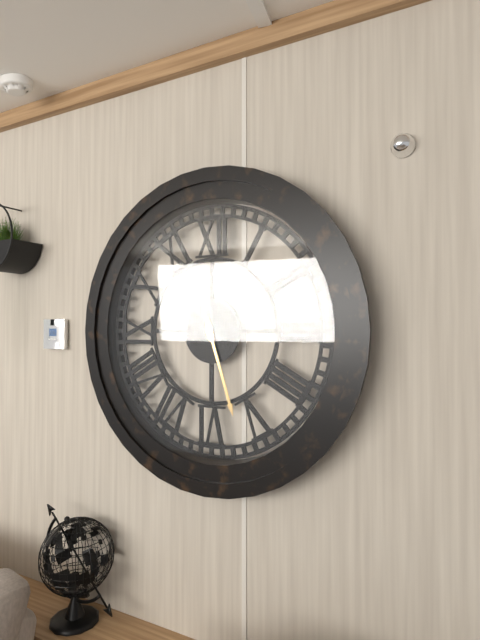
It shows 11 h 27 min
